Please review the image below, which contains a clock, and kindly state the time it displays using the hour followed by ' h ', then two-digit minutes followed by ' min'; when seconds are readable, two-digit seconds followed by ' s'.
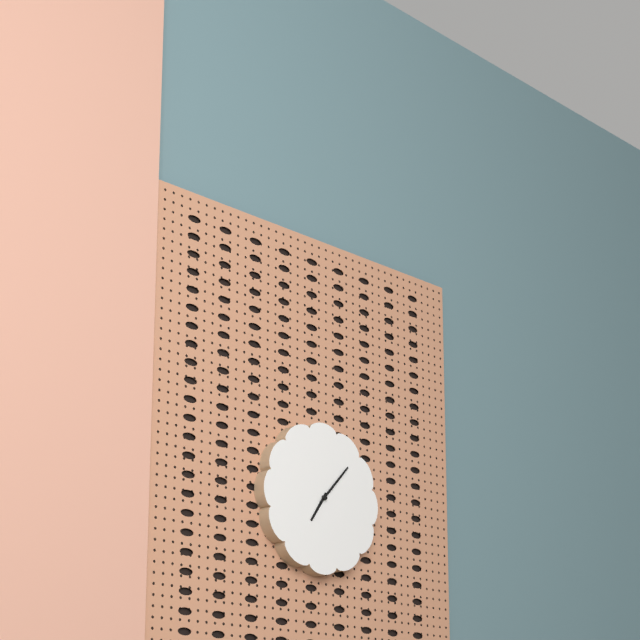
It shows 7 h 07 min
